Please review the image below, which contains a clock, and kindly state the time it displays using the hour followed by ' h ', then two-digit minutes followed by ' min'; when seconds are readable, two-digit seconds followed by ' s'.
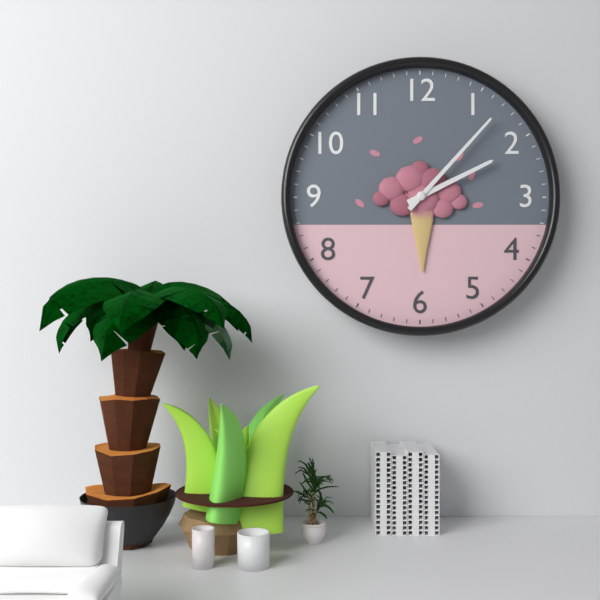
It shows 2 h 07 min
